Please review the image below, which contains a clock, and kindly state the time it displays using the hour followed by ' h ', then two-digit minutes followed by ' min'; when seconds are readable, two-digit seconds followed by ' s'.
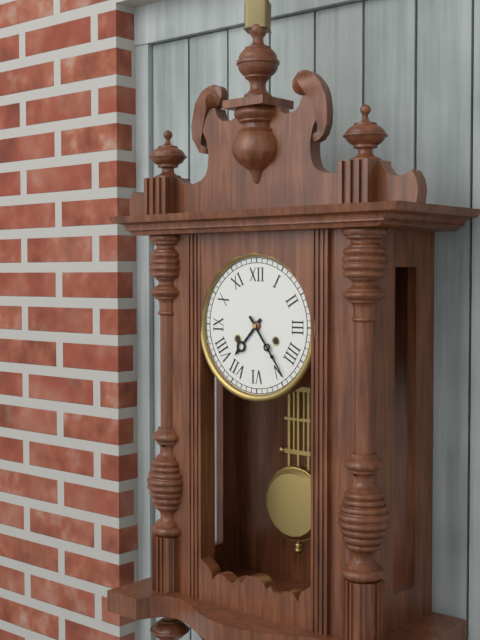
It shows 7 h 24 min
